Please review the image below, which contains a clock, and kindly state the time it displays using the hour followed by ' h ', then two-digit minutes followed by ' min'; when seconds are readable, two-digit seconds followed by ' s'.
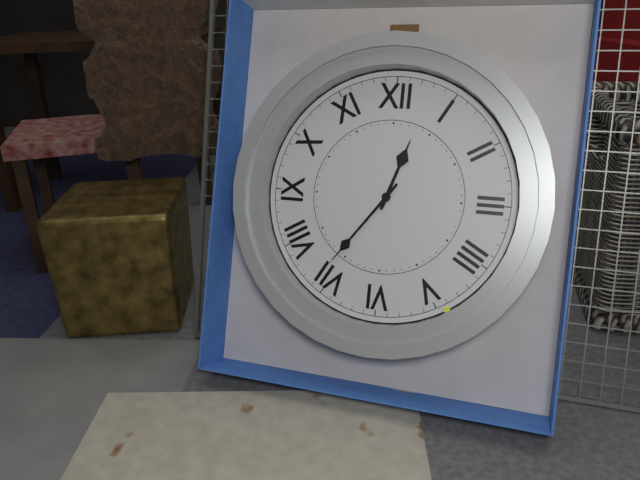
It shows 12 h 36 min
